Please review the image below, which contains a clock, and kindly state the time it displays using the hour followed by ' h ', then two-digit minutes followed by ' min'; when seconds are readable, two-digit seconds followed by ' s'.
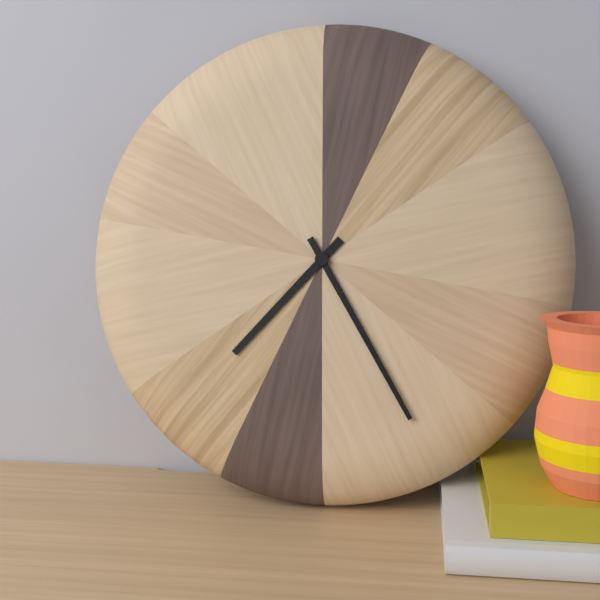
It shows 7 h 25 min
